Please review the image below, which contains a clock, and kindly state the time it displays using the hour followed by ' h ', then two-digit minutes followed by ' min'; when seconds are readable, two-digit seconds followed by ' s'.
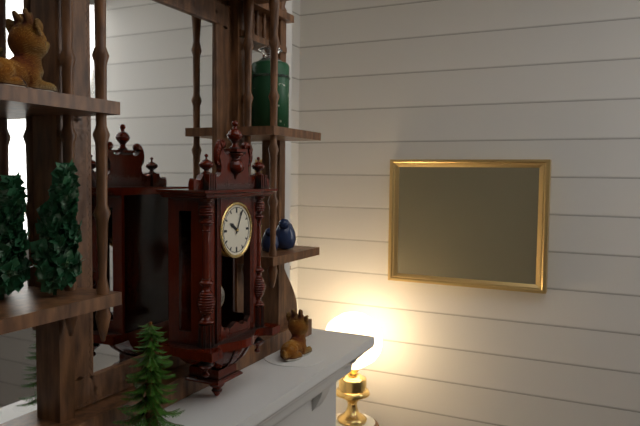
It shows 10 h 04 min
